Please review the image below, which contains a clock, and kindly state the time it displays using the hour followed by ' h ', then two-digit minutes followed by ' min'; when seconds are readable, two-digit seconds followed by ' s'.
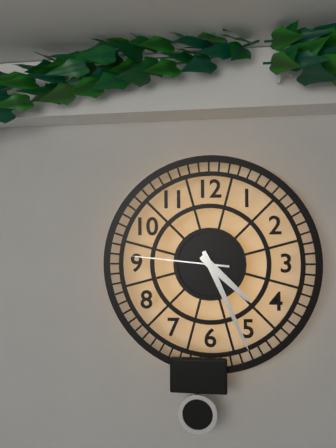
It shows 4 h 26 min 46 s
